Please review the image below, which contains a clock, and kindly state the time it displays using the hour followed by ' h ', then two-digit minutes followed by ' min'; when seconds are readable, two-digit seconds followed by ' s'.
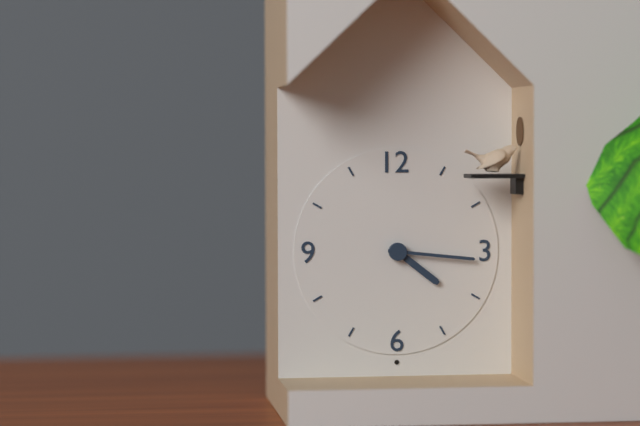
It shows 4 h 16 min
